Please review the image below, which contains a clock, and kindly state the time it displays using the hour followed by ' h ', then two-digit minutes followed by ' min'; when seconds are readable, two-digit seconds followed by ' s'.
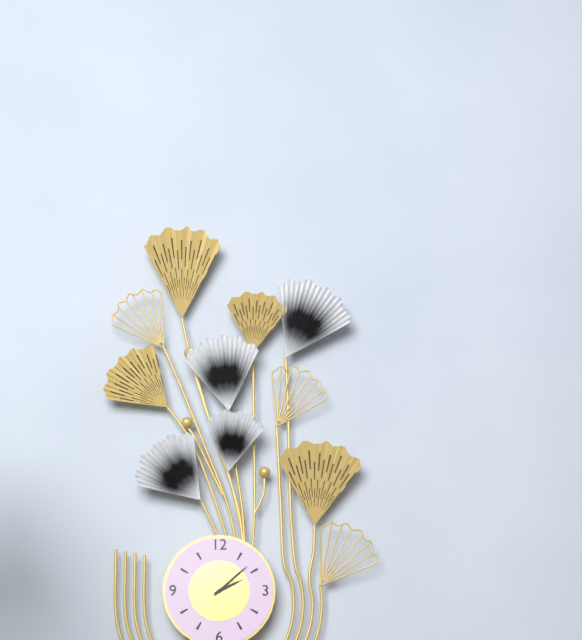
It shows 2 h 08 min
